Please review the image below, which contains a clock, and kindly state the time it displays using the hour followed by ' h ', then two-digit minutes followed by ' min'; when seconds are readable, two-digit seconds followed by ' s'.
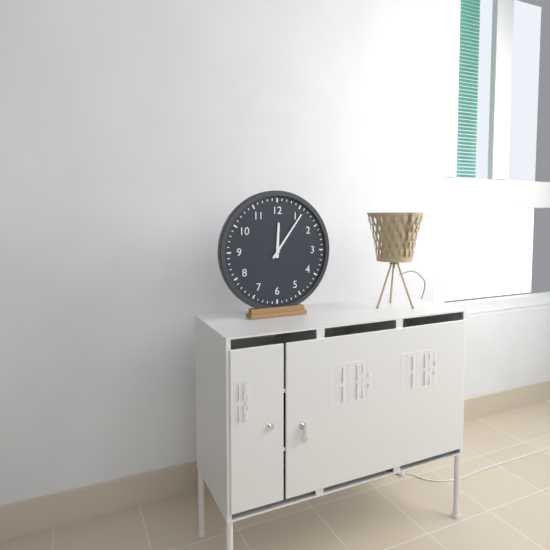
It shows 12 h 06 min
